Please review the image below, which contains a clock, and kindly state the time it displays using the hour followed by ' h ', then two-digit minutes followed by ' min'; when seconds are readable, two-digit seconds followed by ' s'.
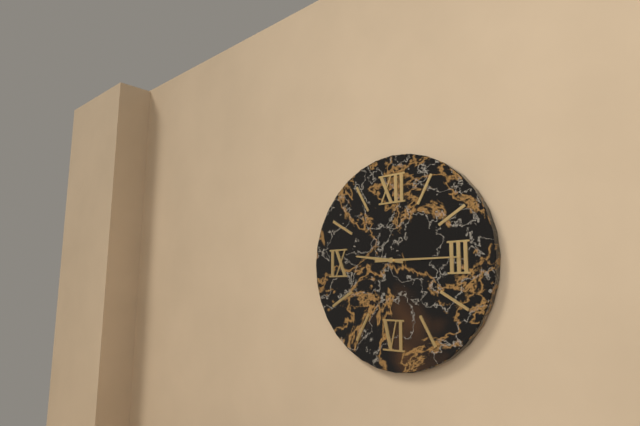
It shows 9 h 15 min
